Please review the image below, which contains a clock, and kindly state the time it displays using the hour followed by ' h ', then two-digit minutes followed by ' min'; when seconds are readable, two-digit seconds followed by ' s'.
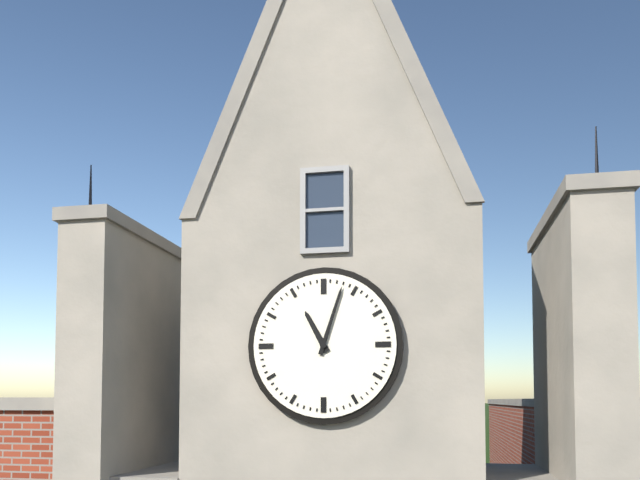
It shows 11 h 03 min
